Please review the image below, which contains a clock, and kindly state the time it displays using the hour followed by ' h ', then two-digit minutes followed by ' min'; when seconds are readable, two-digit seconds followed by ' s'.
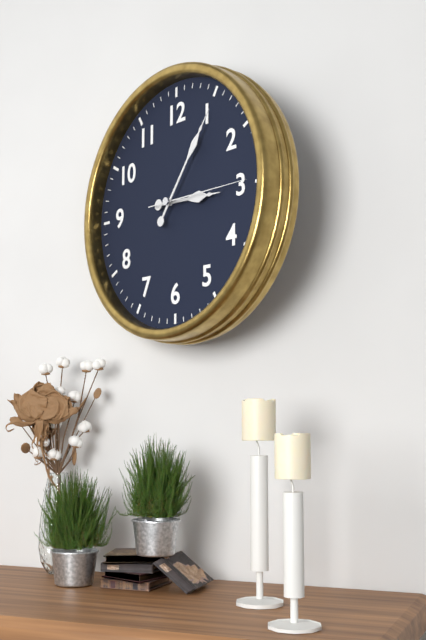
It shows 3 h 06 min 15 s
